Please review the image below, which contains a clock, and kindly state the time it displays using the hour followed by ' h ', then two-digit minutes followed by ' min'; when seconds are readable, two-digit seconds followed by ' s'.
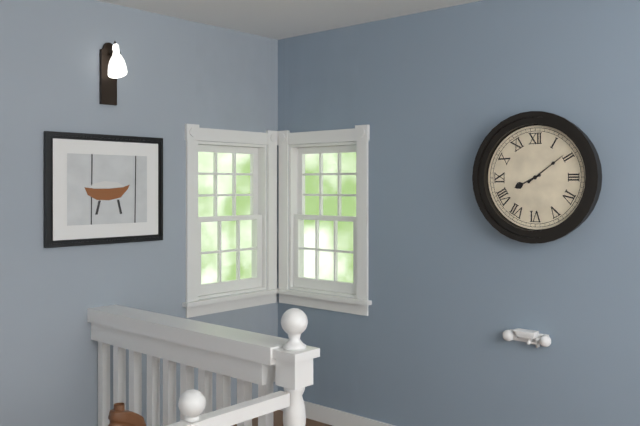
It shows 8 h 09 min
